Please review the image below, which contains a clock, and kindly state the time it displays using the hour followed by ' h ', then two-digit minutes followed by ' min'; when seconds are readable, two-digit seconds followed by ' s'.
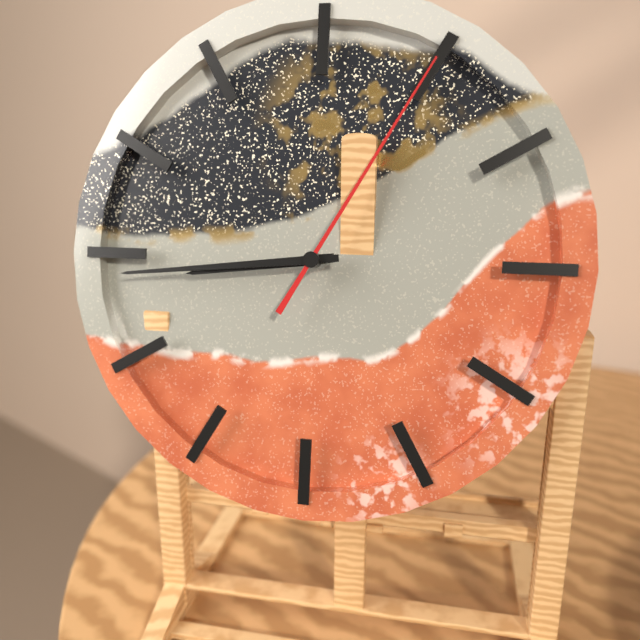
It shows 8 h 44 min 05 s
